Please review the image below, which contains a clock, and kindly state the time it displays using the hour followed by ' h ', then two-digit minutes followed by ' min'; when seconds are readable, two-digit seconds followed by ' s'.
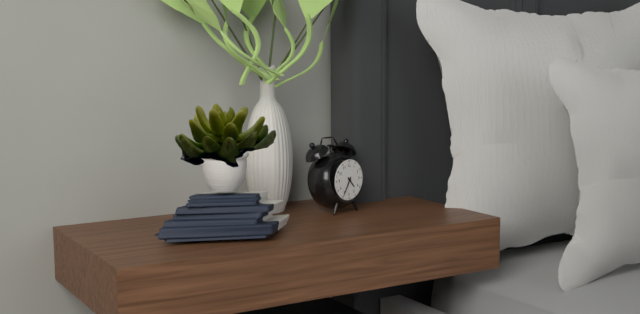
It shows 4 h 35 min
